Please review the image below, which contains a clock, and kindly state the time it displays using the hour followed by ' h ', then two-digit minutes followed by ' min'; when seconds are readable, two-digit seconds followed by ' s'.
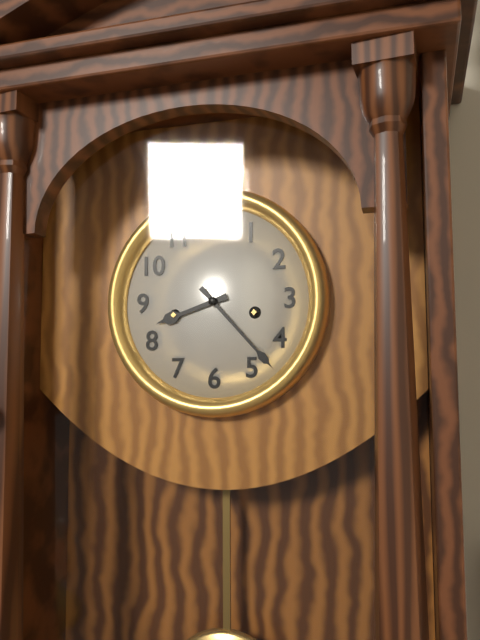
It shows 8 h 23 min
